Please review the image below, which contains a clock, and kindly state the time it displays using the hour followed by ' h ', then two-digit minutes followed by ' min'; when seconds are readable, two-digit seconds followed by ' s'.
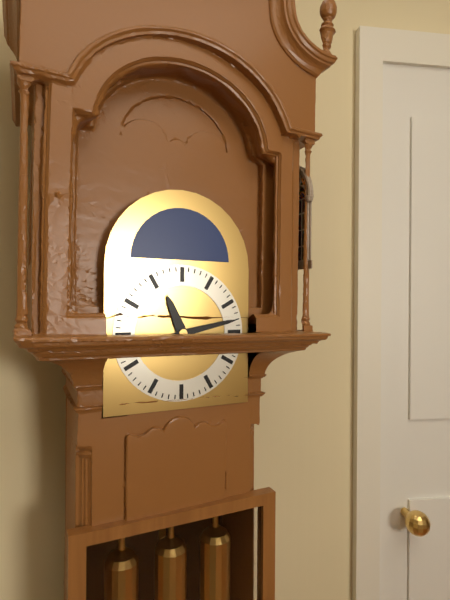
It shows 11 h 13 min
